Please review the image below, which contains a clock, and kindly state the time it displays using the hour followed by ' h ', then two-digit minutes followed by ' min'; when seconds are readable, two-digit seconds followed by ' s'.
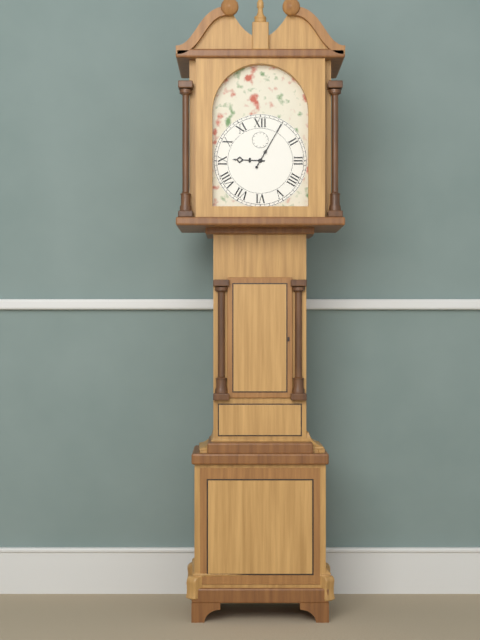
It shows 9 h 05 min
